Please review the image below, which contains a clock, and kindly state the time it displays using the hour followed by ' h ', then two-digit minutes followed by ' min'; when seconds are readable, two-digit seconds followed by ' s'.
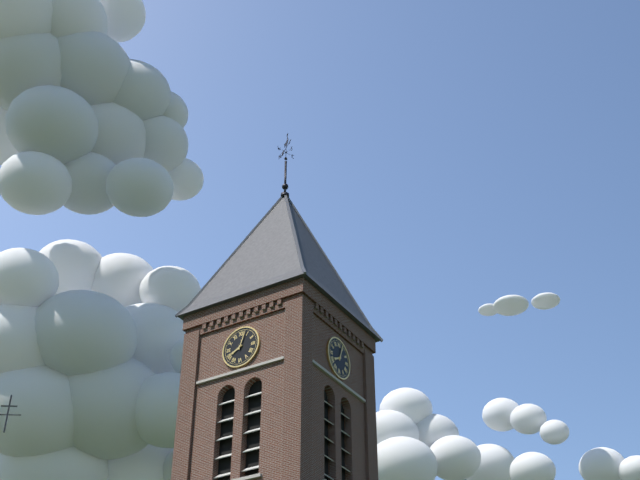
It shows 8 h 03 min
